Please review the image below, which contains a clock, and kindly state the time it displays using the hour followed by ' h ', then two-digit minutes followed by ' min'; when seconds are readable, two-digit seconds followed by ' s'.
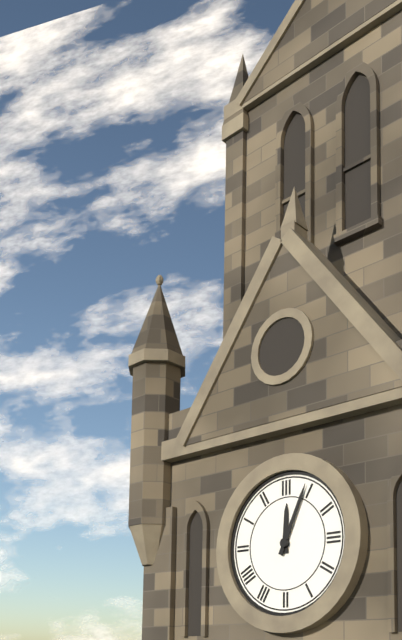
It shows 12 h 04 min
